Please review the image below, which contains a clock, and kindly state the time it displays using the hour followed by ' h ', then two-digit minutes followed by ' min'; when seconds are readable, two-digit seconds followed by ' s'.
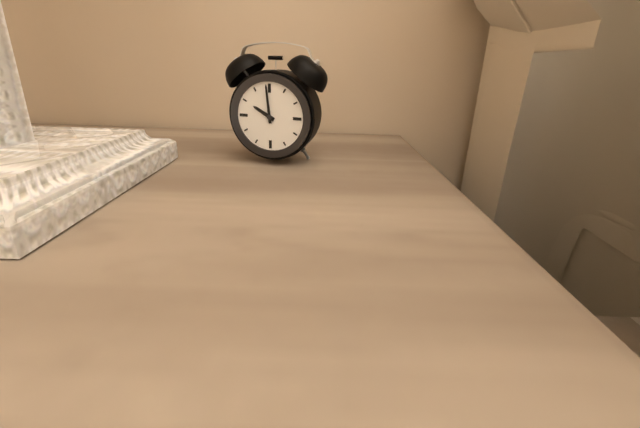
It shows 9 h 59 min
